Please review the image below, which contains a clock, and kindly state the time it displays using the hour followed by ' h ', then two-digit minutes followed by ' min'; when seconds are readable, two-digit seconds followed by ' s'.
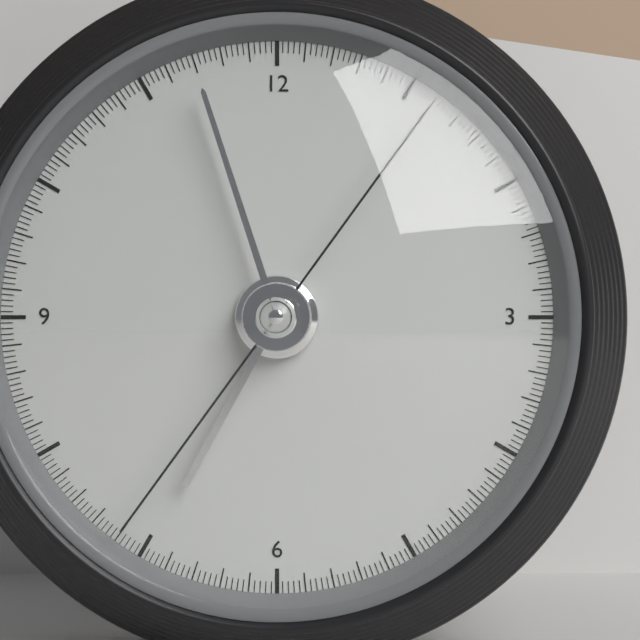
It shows 6 h 57 min 06 s
